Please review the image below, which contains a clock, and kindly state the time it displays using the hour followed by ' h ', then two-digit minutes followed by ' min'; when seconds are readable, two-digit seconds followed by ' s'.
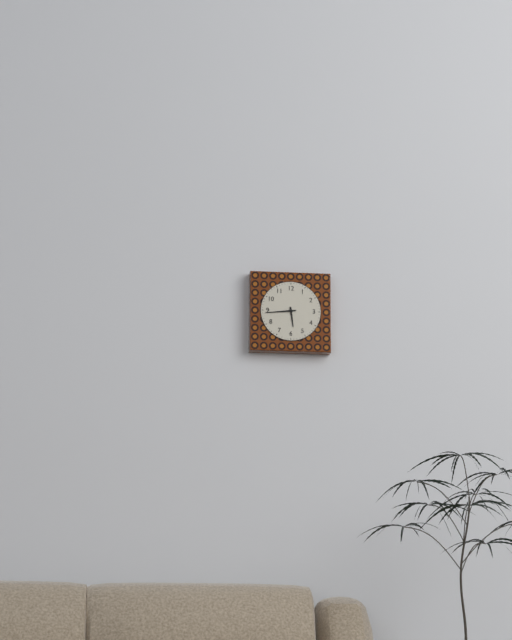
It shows 5 h 44 min
